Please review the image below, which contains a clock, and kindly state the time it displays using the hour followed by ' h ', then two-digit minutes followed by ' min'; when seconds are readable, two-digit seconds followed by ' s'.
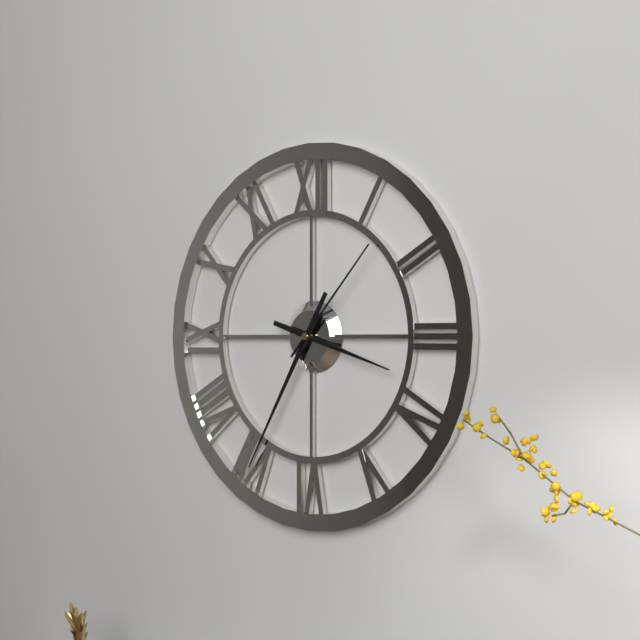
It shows 3 h 35 min 07 s
